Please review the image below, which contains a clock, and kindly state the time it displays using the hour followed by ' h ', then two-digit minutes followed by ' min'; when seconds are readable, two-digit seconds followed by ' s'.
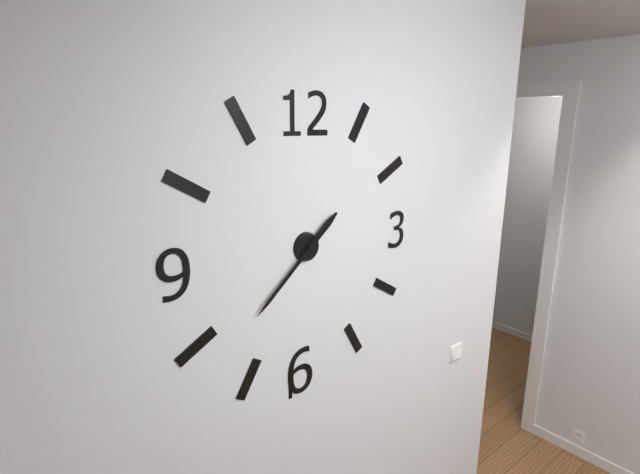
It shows 1 h 38 min
